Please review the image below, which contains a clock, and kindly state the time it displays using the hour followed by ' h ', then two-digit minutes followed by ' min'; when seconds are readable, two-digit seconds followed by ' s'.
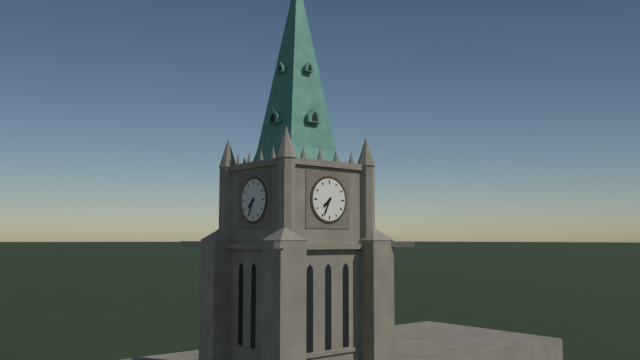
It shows 7 h 34 min
